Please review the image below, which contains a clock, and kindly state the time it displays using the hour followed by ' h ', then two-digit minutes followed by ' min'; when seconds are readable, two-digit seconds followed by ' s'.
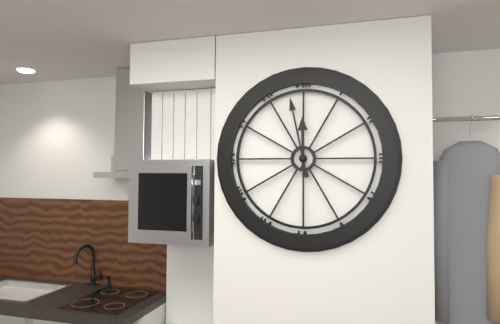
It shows 11 h 58 min
